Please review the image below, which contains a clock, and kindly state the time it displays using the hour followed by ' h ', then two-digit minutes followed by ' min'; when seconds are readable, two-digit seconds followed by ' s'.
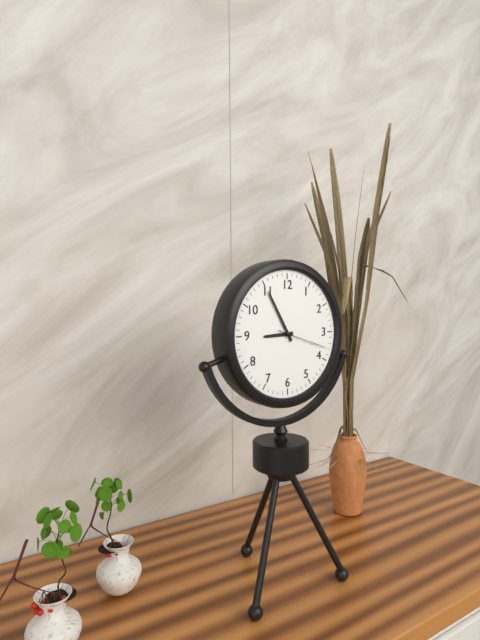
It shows 8 h 55 min 18 s
